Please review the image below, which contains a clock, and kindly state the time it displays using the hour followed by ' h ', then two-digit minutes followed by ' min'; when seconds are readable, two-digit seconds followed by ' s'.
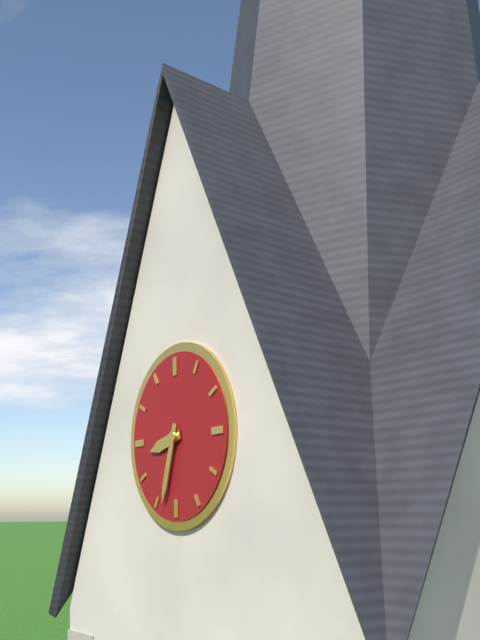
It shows 8 h 33 min
